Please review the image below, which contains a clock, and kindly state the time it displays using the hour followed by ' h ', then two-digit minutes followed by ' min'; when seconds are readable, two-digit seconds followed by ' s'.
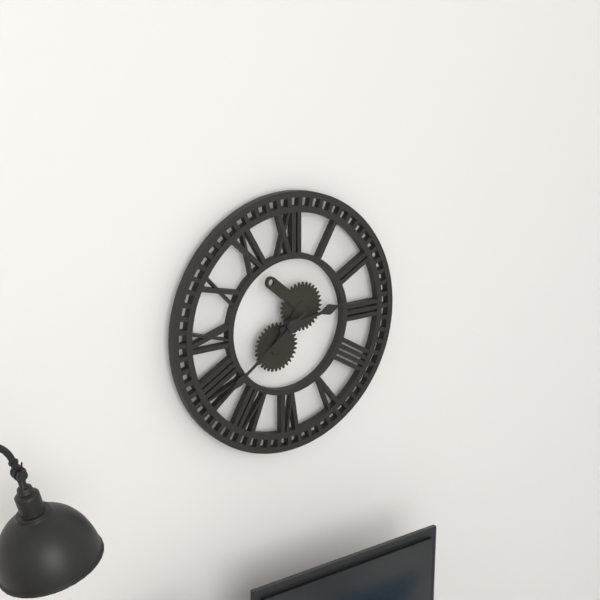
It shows 2 h 39 min
